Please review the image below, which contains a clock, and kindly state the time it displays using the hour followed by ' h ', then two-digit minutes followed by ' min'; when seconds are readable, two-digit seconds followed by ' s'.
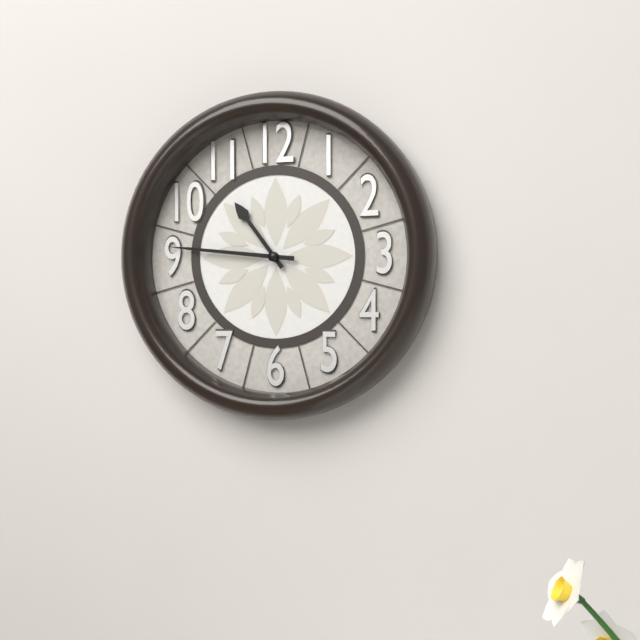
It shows 10 h 46 min
